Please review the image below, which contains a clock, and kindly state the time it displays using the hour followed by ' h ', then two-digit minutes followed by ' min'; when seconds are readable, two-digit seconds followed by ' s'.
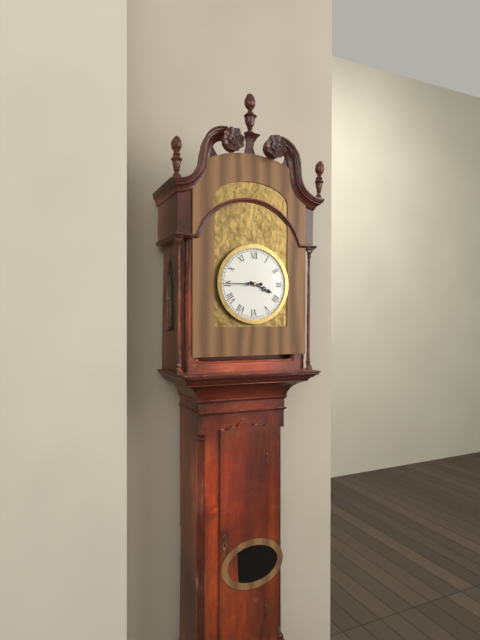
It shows 3 h 45 min
